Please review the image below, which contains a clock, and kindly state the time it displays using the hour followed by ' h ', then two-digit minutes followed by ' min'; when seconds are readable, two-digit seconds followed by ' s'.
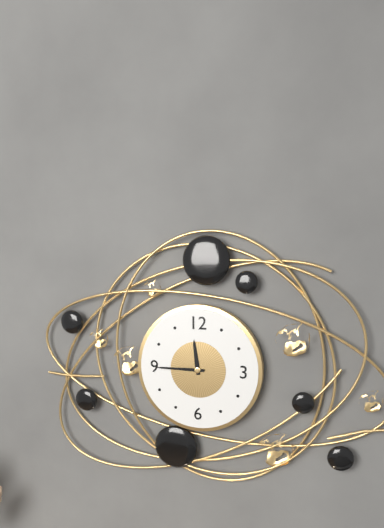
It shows 11 h 45 min
